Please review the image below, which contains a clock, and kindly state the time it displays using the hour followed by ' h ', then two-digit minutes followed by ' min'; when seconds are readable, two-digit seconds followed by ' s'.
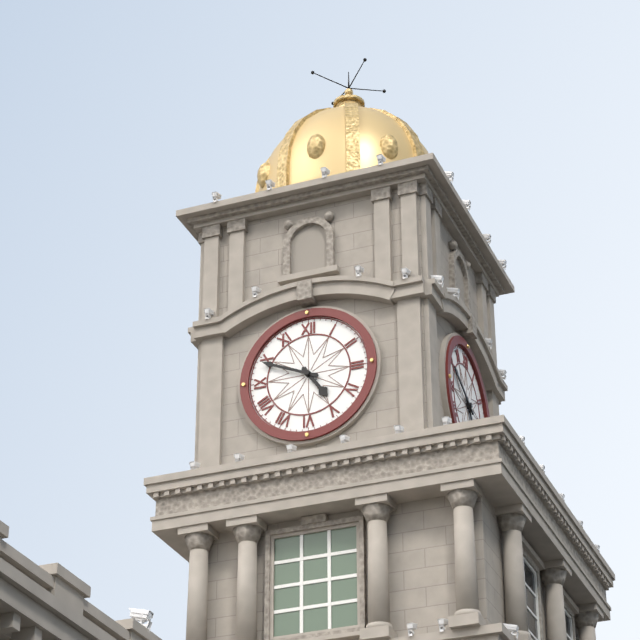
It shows 4 h 49 min
